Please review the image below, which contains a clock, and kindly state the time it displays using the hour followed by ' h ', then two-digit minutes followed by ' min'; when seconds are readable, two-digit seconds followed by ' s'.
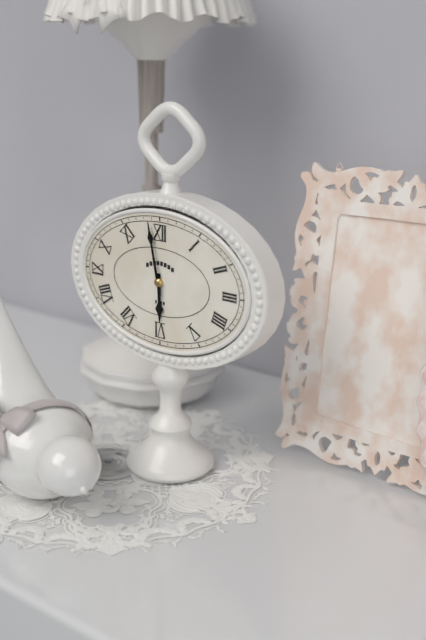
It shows 5 h 58 min
